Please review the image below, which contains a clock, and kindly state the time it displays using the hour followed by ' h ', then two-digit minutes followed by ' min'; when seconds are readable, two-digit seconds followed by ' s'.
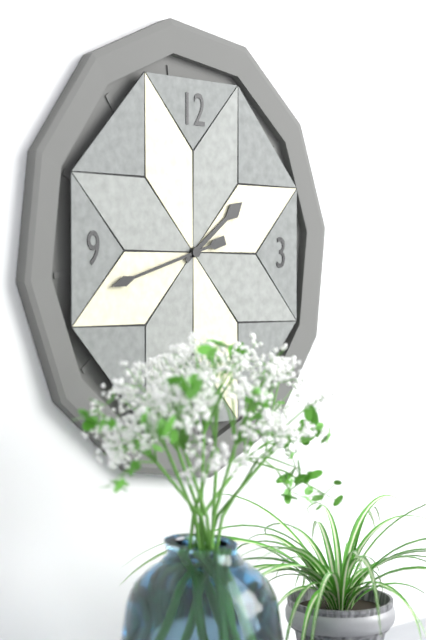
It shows 1 h 42 min
